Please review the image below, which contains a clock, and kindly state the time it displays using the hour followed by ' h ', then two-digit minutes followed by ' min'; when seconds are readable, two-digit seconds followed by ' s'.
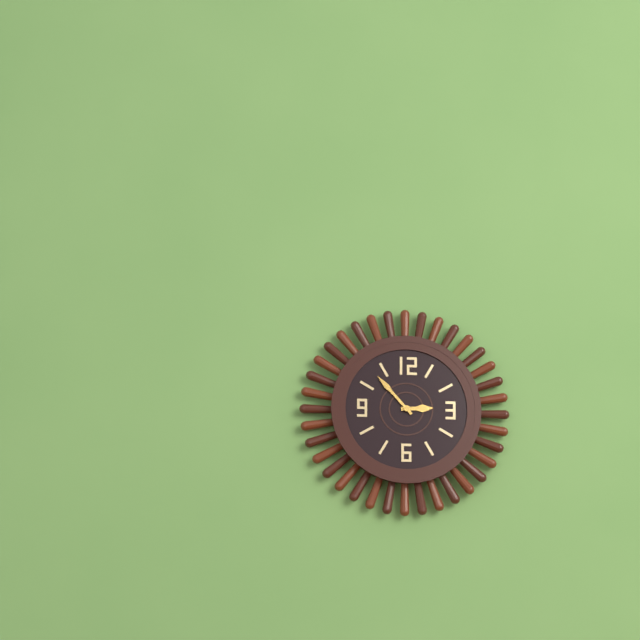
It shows 2 h 53 min
